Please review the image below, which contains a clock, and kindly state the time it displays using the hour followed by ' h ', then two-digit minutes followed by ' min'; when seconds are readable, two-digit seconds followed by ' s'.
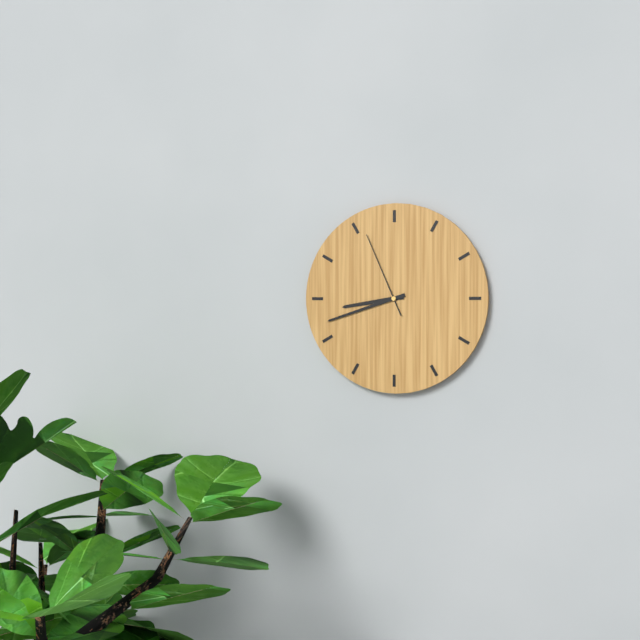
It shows 8 h 42 min 56 s
